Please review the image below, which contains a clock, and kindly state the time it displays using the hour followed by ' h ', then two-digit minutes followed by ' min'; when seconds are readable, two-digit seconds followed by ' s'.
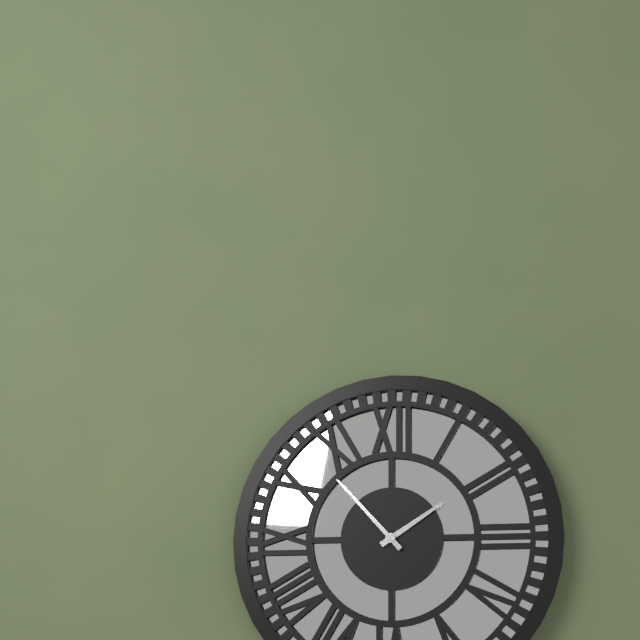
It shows 1 h 53 min
